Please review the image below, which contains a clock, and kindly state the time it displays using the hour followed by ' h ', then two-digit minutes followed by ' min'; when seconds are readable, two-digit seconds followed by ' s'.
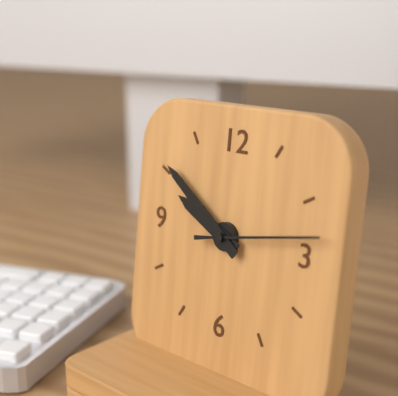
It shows 9 h 51 min 13 s
